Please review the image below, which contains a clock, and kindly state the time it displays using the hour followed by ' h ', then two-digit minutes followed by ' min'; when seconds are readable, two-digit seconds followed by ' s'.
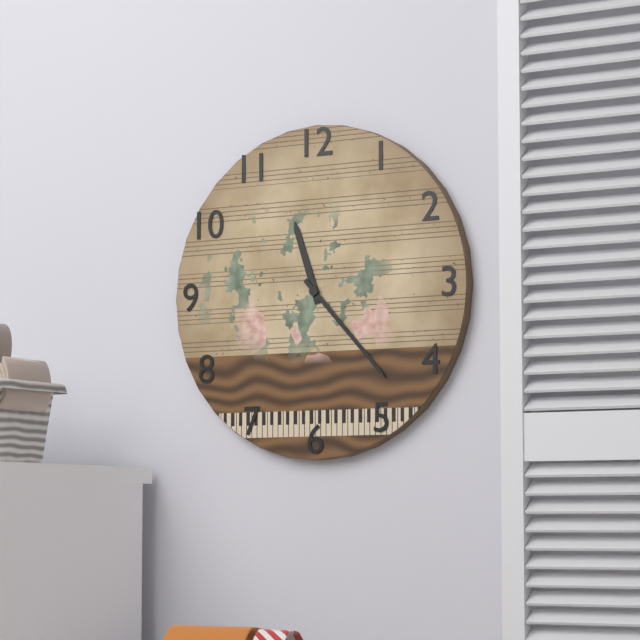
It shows 11 h 23 min
